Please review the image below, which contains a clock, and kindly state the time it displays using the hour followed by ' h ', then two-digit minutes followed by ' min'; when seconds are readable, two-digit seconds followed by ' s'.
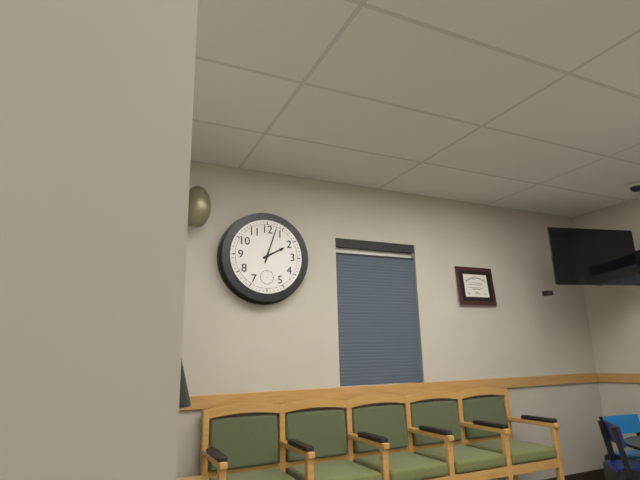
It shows 2 h 03 min
